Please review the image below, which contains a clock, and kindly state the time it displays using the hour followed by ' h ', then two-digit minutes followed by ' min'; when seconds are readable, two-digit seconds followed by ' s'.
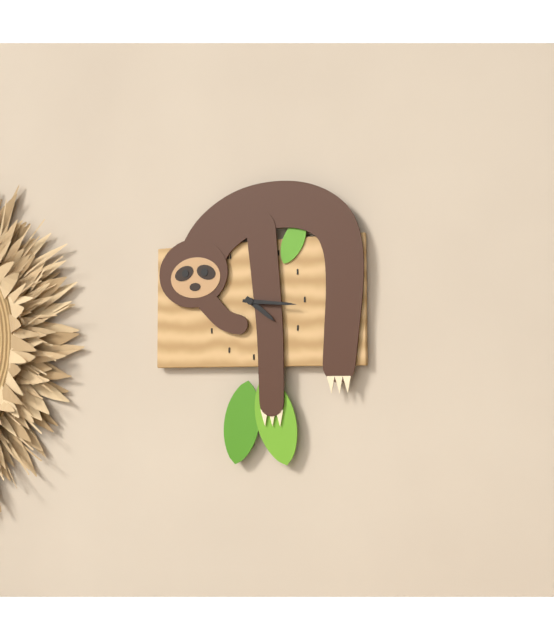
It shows 4 h 16 min
